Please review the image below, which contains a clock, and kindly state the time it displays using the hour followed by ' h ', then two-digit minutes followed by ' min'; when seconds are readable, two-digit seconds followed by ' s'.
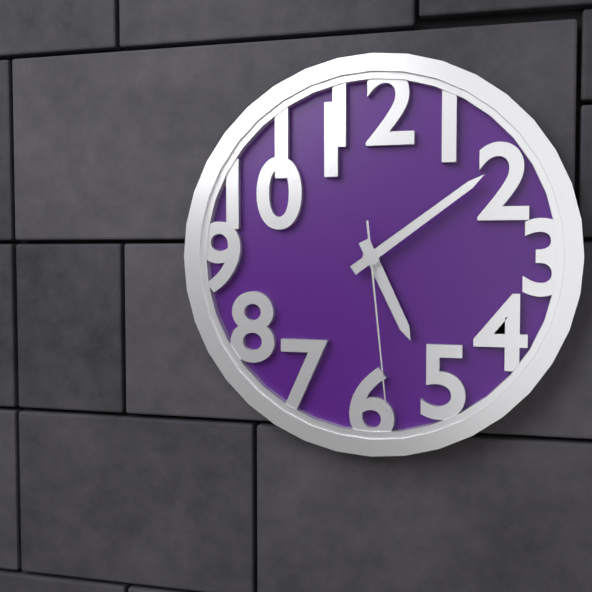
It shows 5 h 09 min 29 s
